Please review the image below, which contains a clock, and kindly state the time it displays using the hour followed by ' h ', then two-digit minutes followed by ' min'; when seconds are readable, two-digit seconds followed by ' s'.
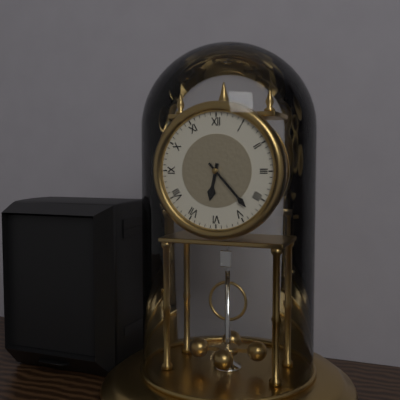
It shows 6 h 23 min
